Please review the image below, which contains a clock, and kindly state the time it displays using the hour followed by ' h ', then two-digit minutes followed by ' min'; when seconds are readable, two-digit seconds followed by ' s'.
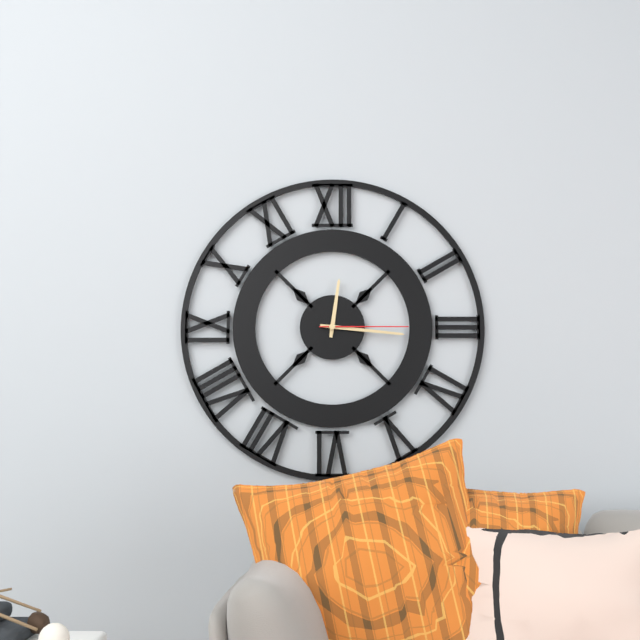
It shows 12 h 16 min 15 s
